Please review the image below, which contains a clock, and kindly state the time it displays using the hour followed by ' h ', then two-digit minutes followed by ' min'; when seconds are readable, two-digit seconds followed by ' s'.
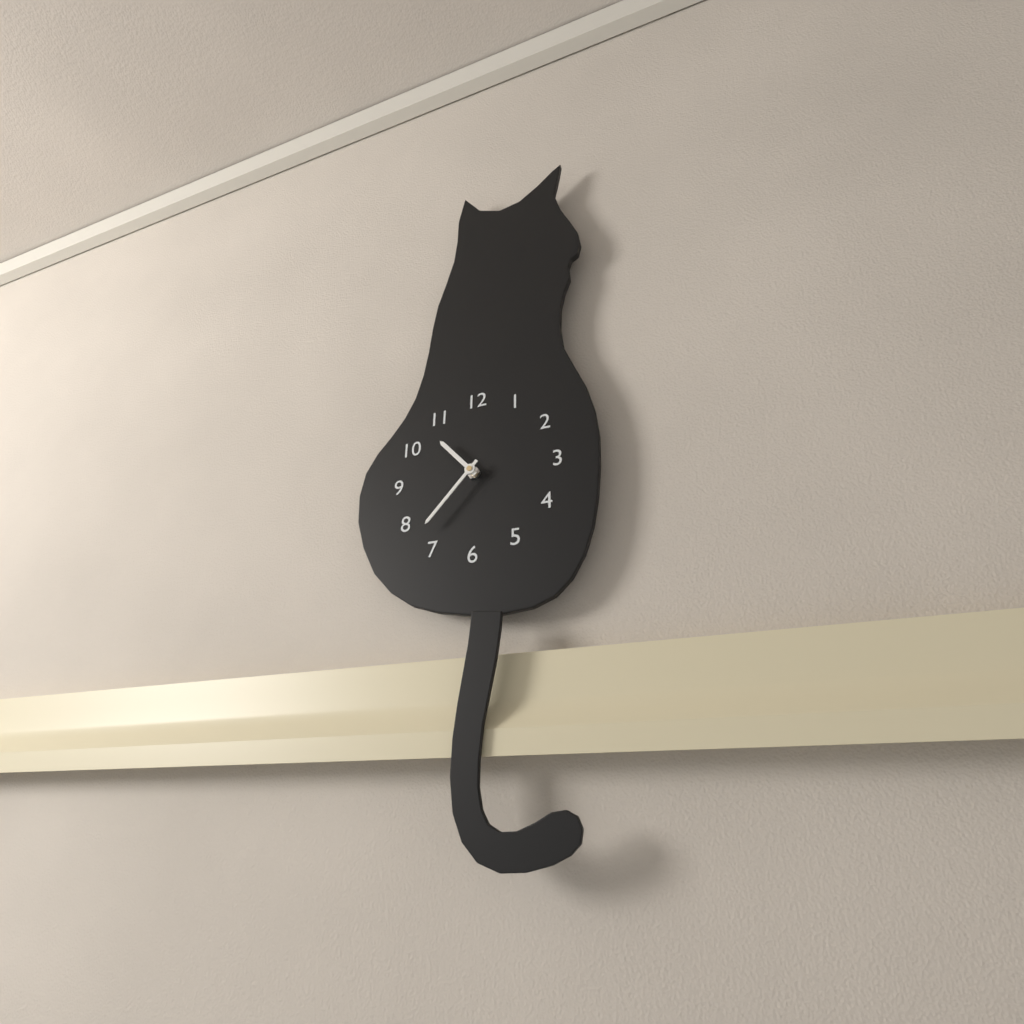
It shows 10 h 37 min
